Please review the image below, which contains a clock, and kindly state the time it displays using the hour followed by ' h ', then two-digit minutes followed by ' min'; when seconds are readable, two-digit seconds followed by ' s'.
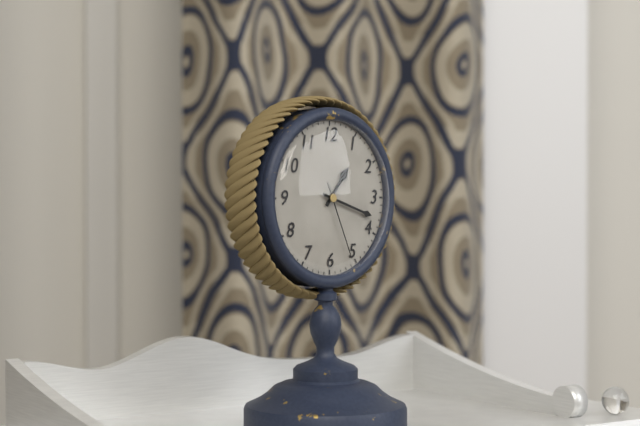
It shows 1 h 18 min 26 s
